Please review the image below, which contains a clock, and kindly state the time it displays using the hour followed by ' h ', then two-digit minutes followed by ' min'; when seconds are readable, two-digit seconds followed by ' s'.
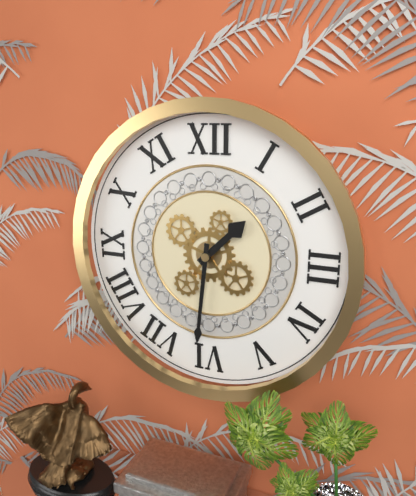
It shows 1 h 31 min
